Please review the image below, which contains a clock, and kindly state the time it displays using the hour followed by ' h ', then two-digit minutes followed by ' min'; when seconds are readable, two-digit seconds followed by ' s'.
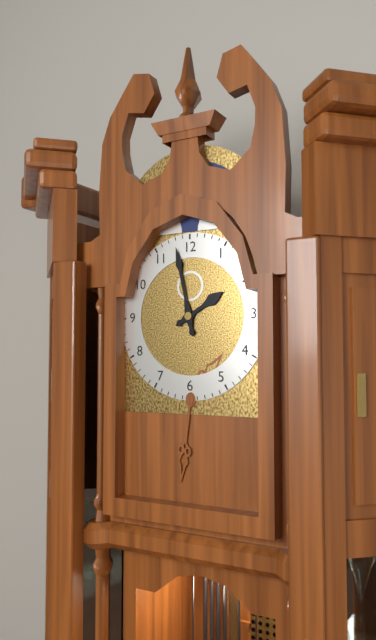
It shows 1 h 58 min
